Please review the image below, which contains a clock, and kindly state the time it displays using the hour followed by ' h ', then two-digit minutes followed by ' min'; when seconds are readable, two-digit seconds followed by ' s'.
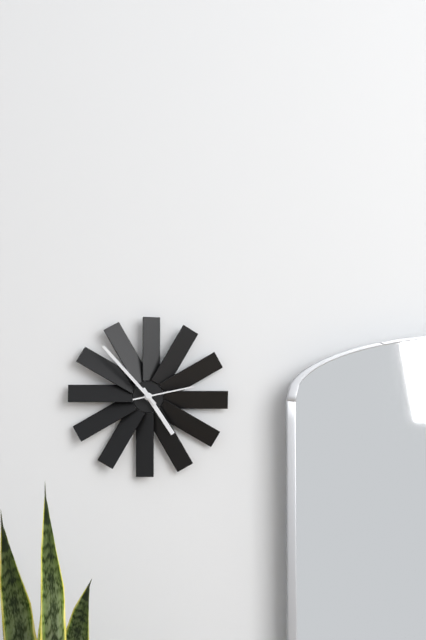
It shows 4 h 53 min 13 s
